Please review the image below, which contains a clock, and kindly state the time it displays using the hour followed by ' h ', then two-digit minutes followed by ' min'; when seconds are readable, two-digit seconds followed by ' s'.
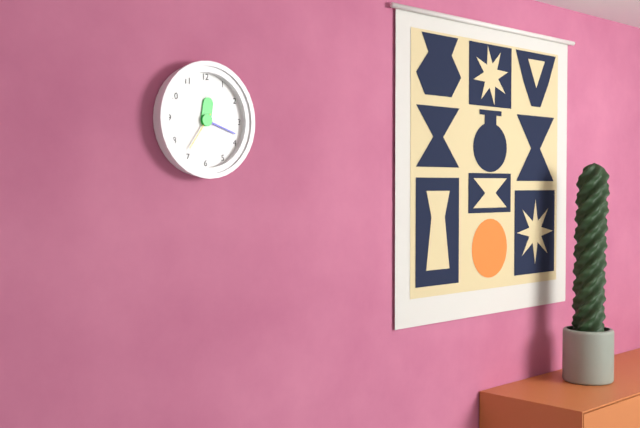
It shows 12 h 18 min
